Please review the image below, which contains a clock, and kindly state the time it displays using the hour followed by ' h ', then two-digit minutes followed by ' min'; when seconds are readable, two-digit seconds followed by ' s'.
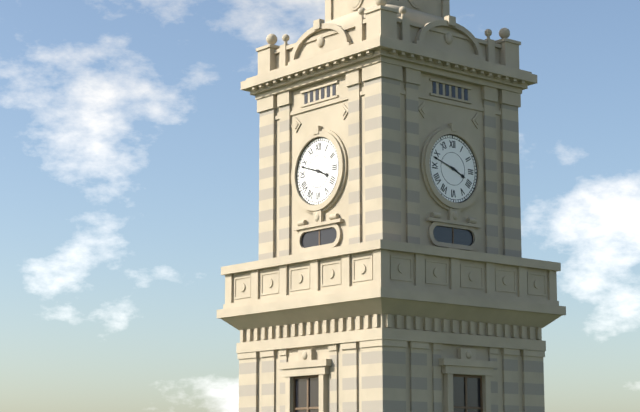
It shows 3 h 48 min
